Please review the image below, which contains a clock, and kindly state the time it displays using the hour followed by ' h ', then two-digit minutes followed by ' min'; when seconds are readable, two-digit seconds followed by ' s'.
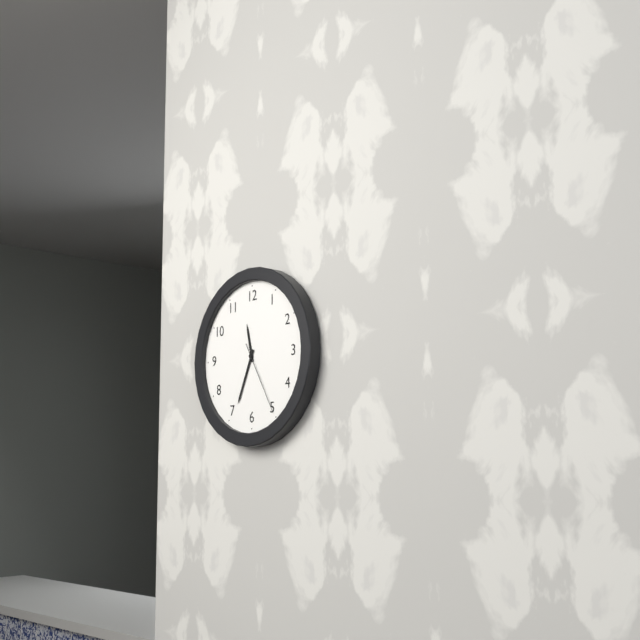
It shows 11 h 34 min 25 s
